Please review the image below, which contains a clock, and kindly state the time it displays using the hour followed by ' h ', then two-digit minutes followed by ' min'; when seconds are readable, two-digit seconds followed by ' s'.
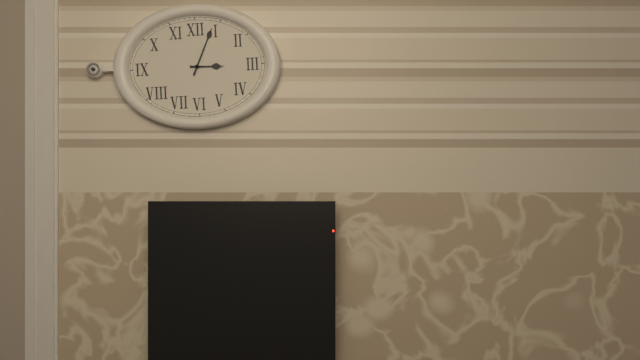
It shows 3 h 04 min
